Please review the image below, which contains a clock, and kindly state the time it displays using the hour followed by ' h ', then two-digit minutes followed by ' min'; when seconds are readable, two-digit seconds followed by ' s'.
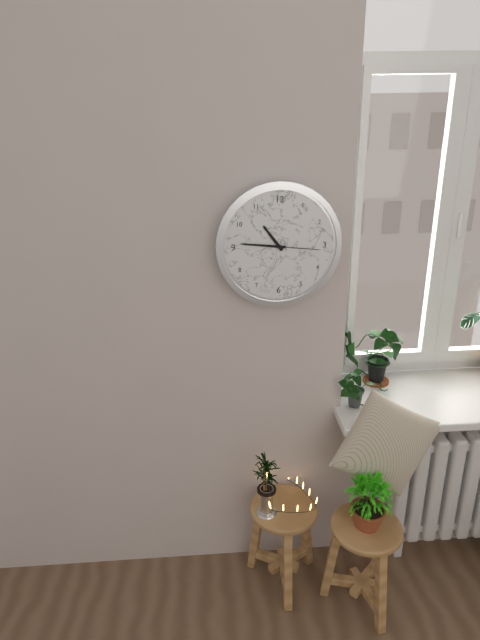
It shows 10 h 46 min 16 s
